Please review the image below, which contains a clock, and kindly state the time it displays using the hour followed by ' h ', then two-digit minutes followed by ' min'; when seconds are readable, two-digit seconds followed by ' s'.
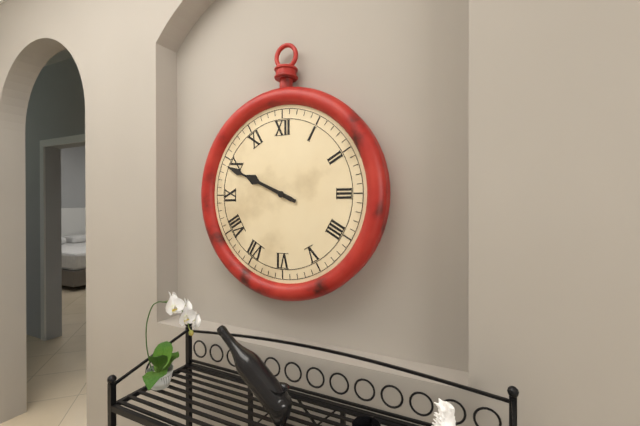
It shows 9 h 49 min
